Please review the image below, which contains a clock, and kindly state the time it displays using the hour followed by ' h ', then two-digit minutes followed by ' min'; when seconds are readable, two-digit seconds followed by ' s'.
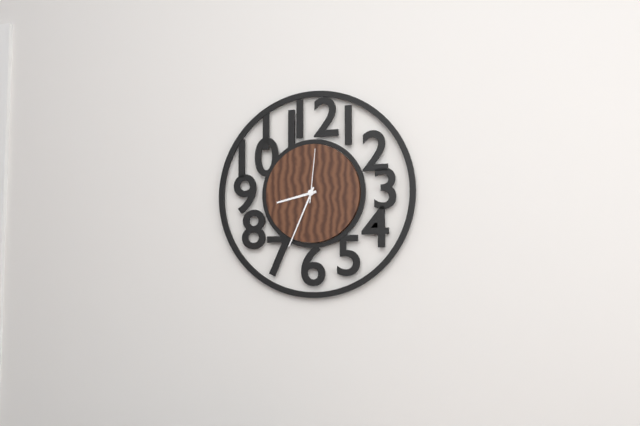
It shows 8 h 34 min 01 s
